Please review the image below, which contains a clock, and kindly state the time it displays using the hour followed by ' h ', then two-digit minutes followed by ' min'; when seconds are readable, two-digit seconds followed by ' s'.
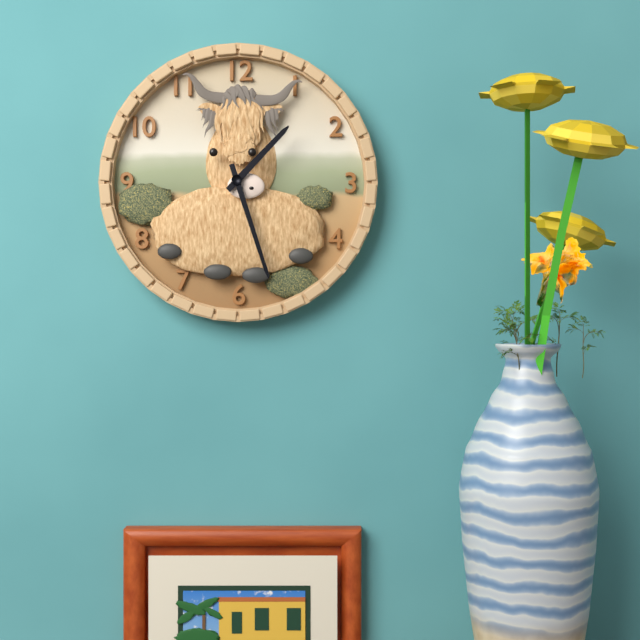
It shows 1 h 27 min
